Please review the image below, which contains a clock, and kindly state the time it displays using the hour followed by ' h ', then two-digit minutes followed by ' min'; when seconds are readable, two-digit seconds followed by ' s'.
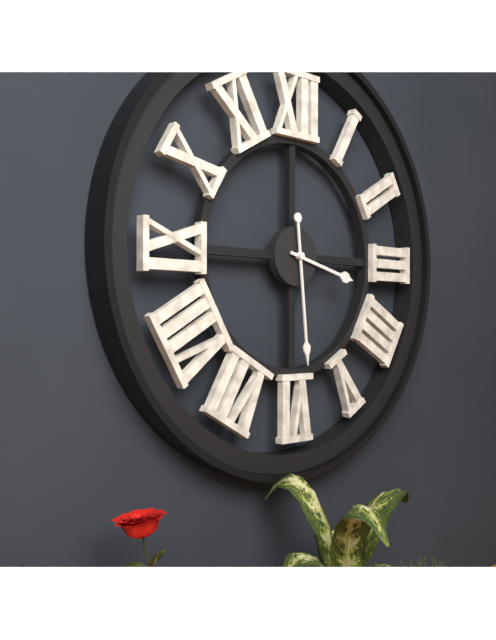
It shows 3 h 29 min
